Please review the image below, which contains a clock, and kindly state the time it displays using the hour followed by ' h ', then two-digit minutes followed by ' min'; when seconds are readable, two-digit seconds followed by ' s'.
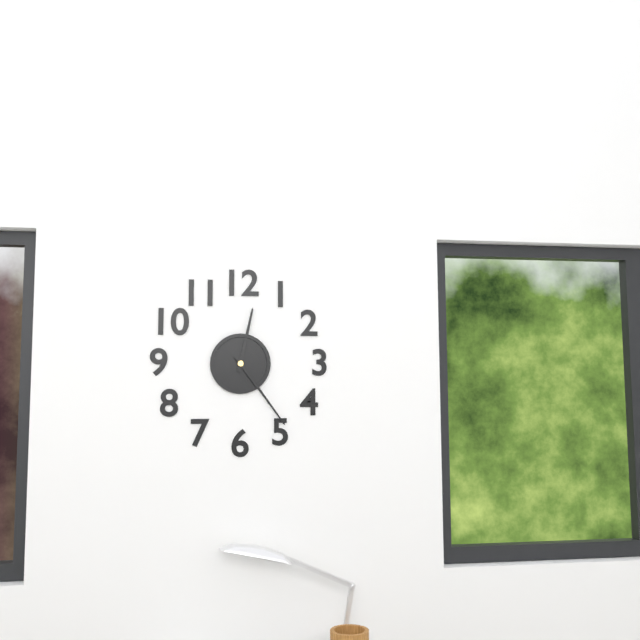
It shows 12 h 24 min
